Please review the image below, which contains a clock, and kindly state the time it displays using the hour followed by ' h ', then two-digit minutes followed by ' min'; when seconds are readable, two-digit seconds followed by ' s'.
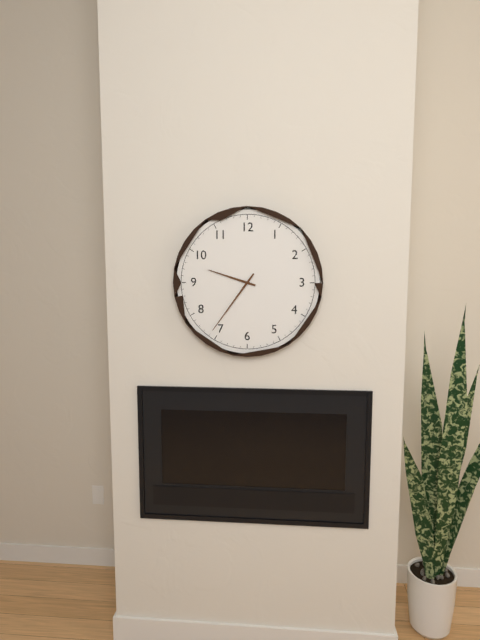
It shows 9 h 36 min
